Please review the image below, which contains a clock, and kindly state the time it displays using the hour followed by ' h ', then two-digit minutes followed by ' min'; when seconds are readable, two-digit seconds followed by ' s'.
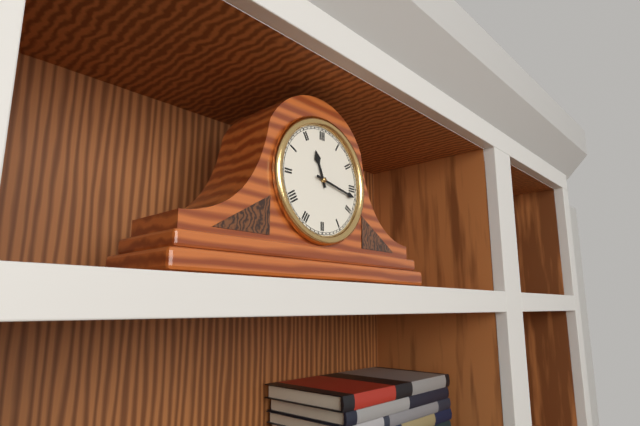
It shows 11 h 17 min
